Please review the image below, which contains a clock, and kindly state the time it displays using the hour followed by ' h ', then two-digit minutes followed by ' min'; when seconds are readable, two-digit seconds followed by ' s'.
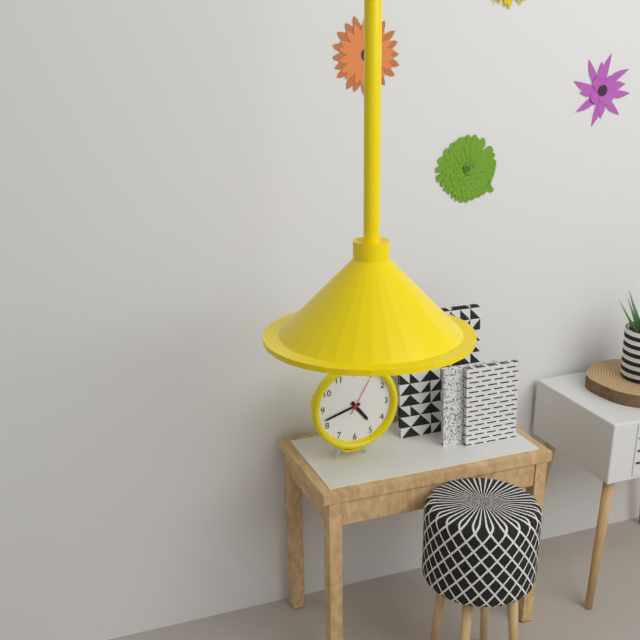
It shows 4 h 42 min
